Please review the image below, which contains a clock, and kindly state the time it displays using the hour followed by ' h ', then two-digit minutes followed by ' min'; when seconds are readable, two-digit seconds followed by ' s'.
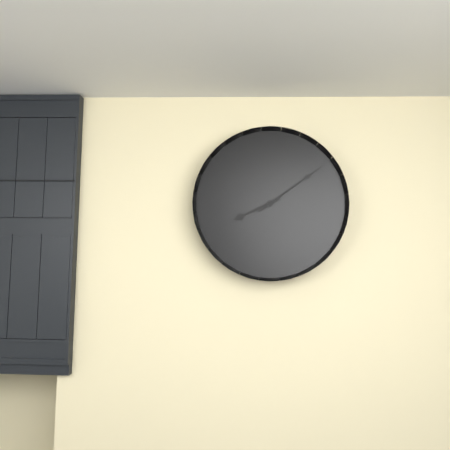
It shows 8 h 09 min
